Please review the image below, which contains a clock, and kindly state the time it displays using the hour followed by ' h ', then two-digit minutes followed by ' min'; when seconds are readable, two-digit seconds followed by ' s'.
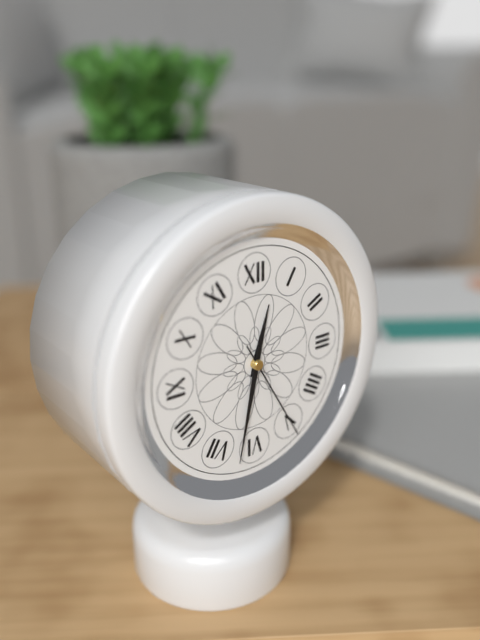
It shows 12 h 32 min 25 s
